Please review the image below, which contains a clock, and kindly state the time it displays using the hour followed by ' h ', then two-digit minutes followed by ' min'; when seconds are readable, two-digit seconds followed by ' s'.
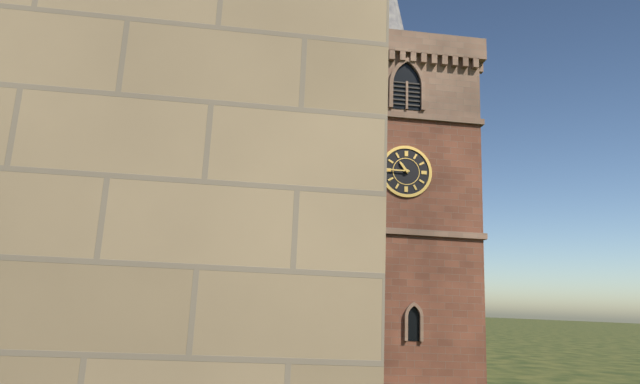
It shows 10 h 45 min
